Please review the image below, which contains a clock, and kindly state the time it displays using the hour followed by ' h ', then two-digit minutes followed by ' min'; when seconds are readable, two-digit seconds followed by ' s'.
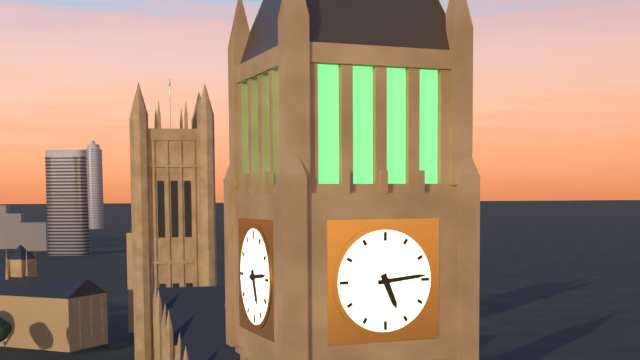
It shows 5 h 14 min
